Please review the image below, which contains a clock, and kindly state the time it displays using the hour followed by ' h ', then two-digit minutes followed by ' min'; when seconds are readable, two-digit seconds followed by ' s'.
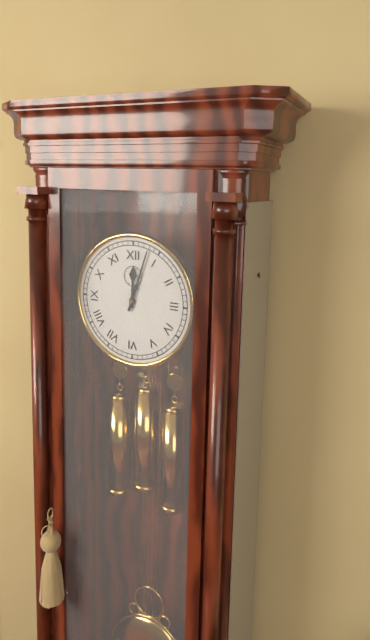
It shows 12 h 03 min
